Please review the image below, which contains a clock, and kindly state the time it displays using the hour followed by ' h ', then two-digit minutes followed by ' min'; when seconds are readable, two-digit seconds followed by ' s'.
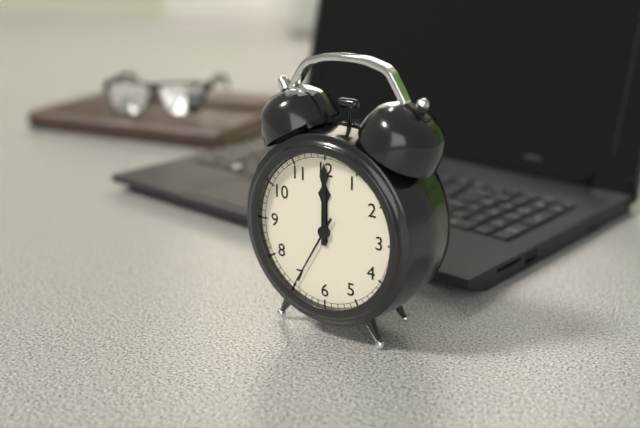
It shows 12 h 00 min 35 s
